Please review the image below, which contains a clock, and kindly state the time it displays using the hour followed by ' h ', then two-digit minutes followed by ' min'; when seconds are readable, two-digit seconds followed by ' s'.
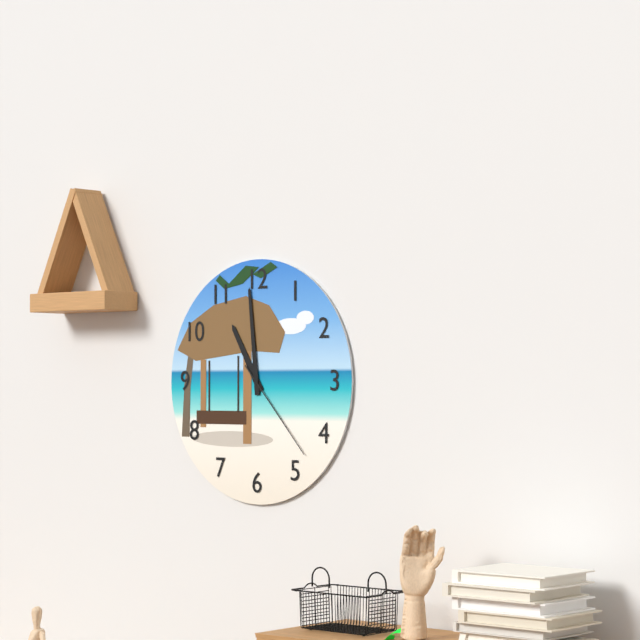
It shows 10 h 59 min 23 s
